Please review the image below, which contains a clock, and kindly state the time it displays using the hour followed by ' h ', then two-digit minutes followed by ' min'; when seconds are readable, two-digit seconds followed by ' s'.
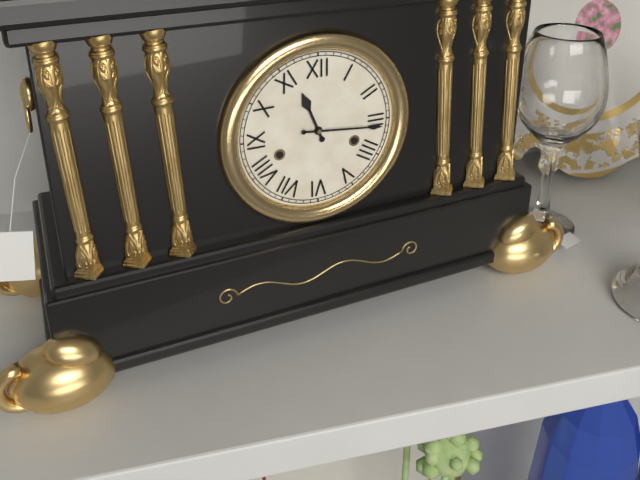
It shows 11 h 16 min
